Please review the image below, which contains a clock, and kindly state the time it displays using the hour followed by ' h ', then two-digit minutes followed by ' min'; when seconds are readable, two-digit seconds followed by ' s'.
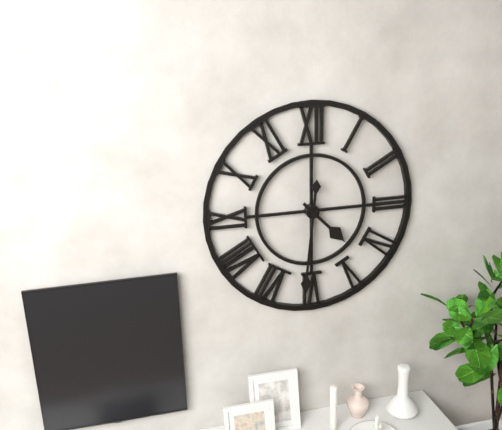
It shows 4 h 31 min
